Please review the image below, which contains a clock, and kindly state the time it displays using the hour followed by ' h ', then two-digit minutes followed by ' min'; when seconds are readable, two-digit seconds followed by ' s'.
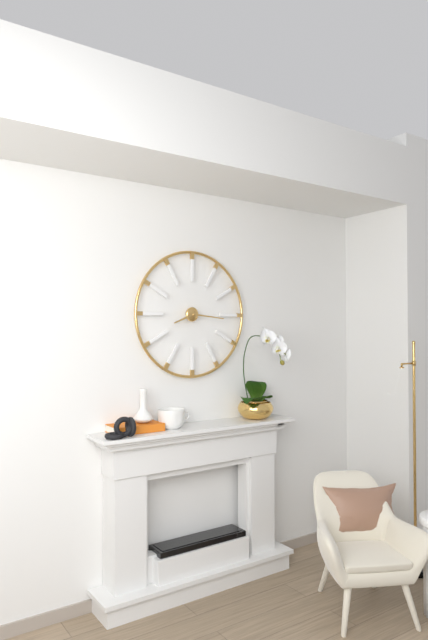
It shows 8 h 16 min
